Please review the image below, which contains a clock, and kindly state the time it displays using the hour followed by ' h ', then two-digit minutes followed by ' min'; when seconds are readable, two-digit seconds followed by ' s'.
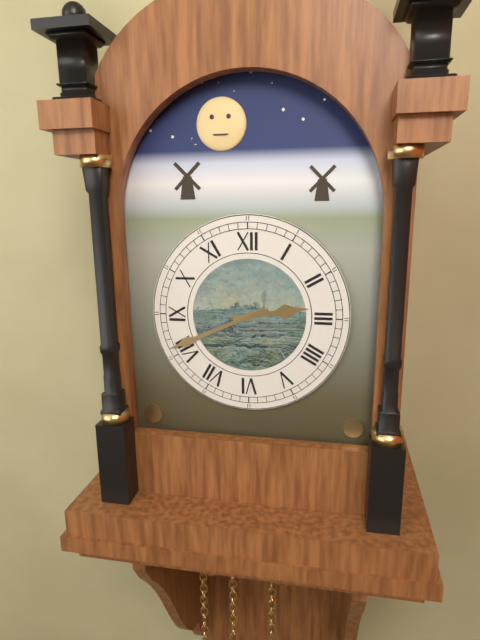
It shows 2 h 41 min
